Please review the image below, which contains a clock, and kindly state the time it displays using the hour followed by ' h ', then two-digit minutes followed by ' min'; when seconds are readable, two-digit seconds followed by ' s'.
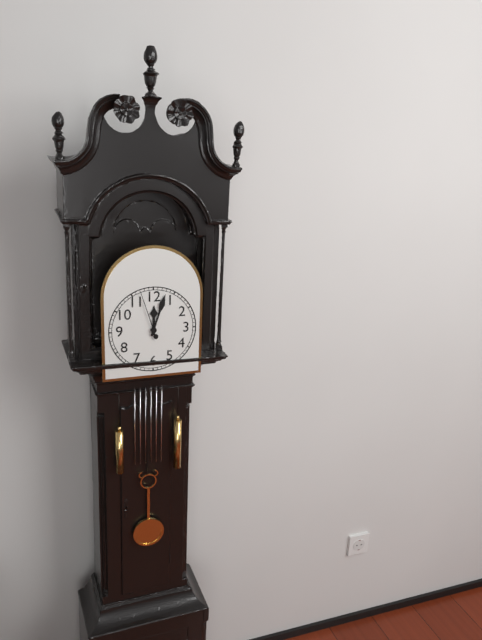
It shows 12 h 03 min
